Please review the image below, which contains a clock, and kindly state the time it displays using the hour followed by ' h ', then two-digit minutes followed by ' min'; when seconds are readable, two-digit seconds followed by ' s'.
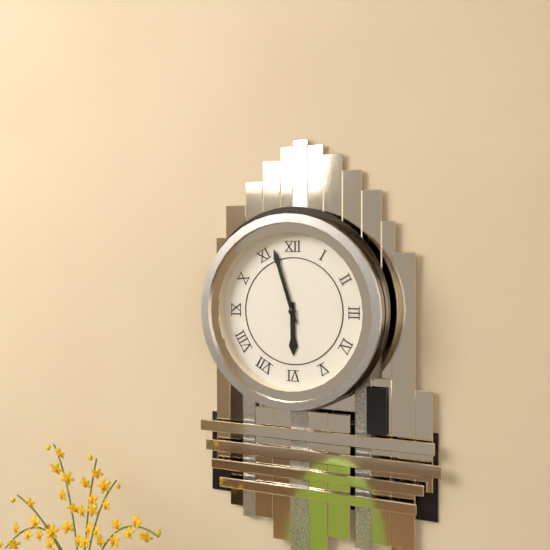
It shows 5 h 57 min
